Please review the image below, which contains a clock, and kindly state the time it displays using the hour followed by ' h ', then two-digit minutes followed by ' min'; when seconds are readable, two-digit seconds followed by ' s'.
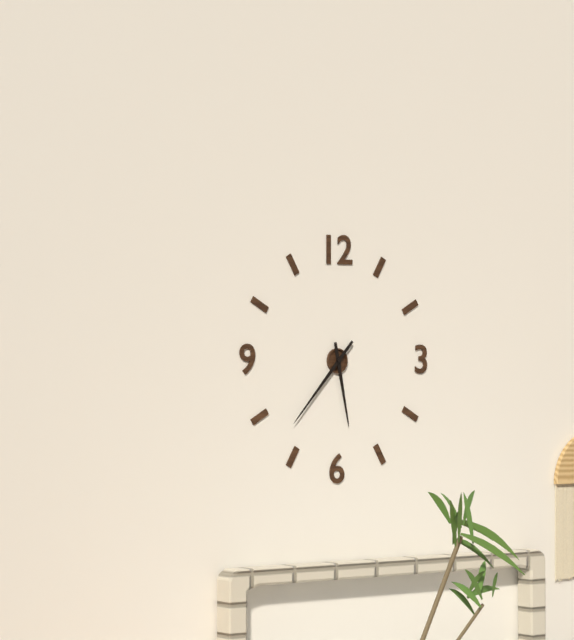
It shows 5 h 37 min
